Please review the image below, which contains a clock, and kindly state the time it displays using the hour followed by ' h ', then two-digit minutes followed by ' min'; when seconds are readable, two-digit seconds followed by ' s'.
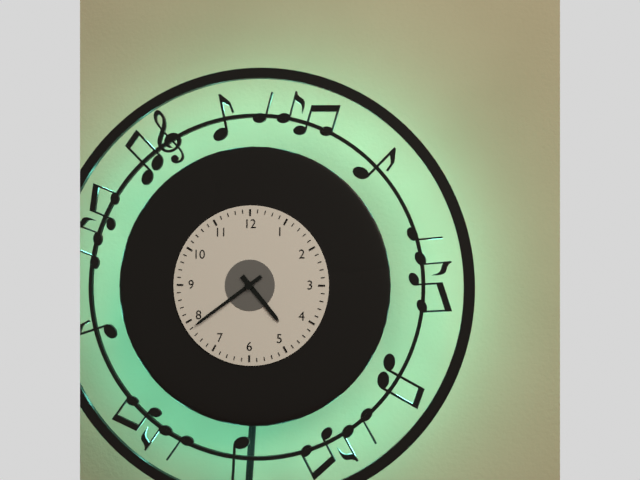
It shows 4 h 39 min
